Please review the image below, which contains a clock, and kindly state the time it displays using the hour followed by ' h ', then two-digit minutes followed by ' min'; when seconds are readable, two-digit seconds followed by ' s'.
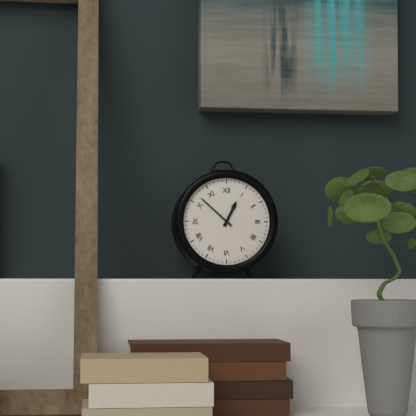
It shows 12 h 52 min
